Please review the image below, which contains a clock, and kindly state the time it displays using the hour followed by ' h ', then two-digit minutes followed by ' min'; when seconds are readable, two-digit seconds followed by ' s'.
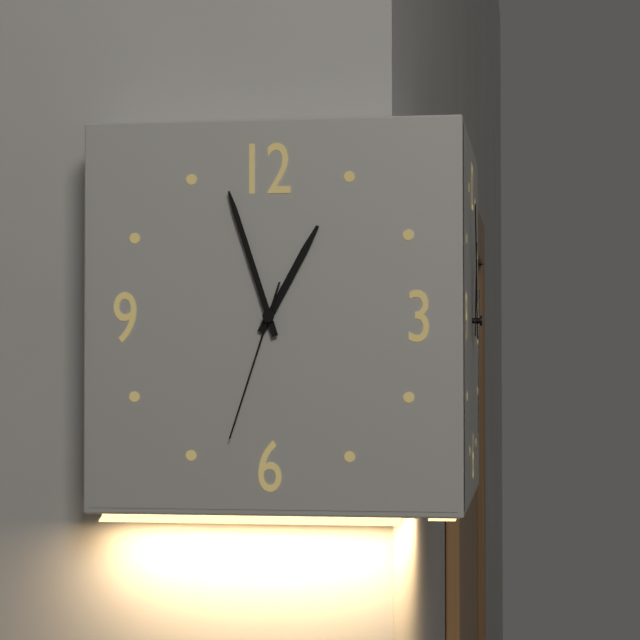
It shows 12 h 57 min 33 s
